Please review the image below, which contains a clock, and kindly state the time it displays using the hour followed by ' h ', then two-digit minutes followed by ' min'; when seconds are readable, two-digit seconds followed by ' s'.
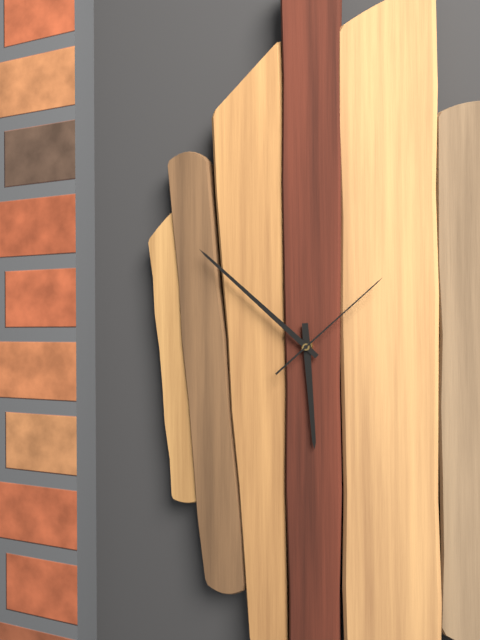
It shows 5 h 52 min 08 s
